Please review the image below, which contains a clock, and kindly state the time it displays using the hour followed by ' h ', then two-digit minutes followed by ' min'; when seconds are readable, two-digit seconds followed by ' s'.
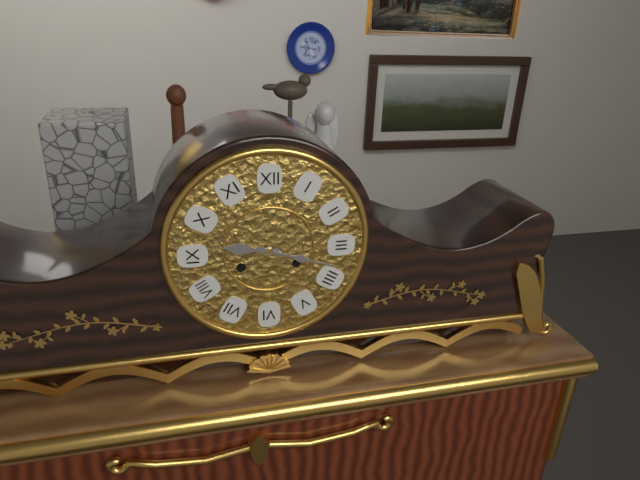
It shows 9 h 18 min
